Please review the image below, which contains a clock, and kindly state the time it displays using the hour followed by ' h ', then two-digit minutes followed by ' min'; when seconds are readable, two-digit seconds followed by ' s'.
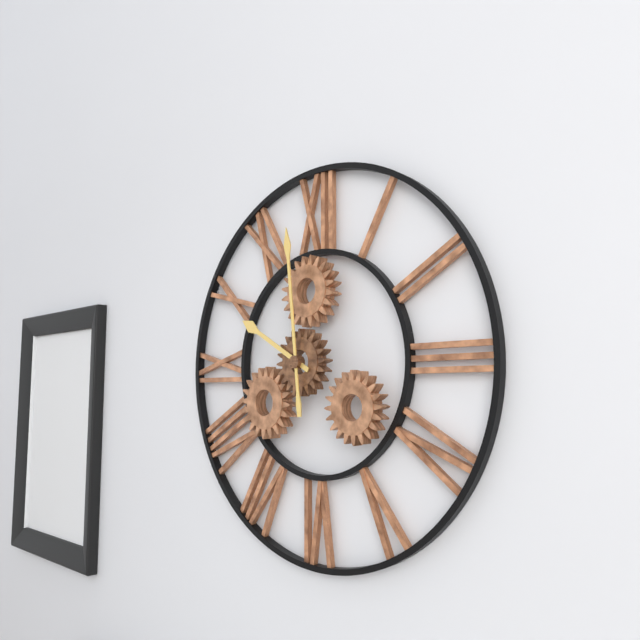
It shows 9 h 59 min
